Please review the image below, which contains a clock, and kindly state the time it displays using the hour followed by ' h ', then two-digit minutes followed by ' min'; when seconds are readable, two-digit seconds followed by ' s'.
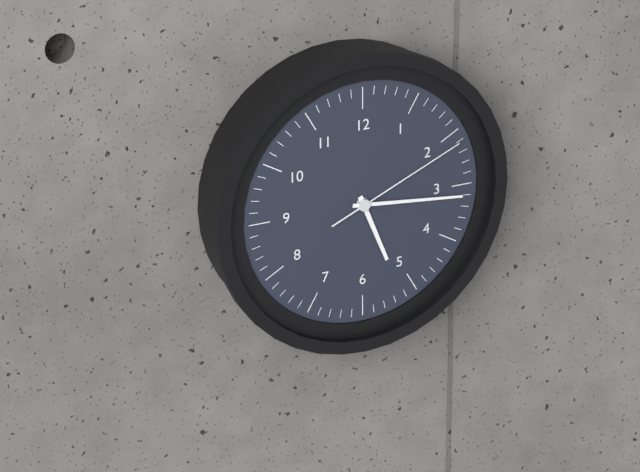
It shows 5 h 16 min 11 s
